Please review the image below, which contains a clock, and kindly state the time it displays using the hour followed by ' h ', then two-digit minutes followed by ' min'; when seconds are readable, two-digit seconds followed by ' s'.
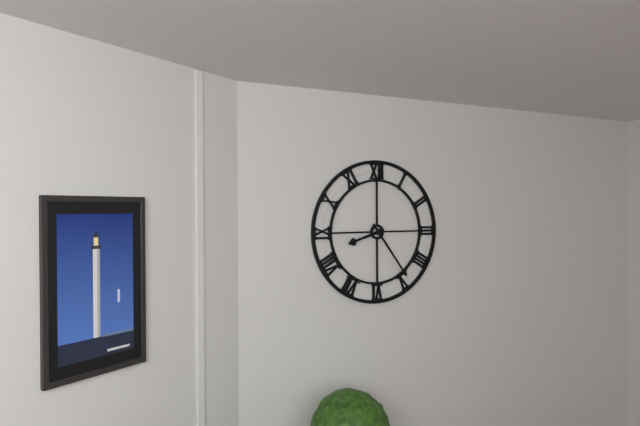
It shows 8 h 24 min
